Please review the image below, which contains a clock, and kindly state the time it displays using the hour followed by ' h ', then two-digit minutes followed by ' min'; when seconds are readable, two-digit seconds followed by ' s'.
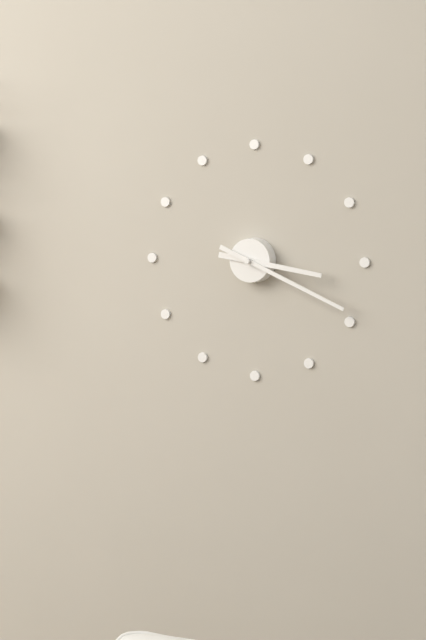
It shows 3 h 19 min
